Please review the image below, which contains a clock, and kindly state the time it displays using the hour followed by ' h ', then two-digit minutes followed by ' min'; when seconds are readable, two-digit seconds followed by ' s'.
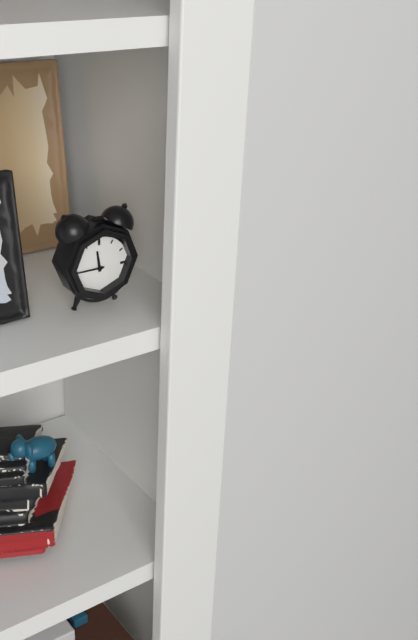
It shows 11 h 45 min
